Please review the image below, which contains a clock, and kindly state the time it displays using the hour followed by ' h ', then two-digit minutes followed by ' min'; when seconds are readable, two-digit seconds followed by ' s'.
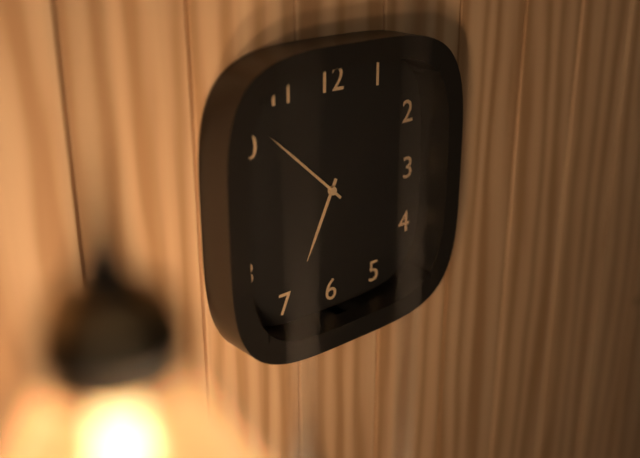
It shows 6 h 52 min
